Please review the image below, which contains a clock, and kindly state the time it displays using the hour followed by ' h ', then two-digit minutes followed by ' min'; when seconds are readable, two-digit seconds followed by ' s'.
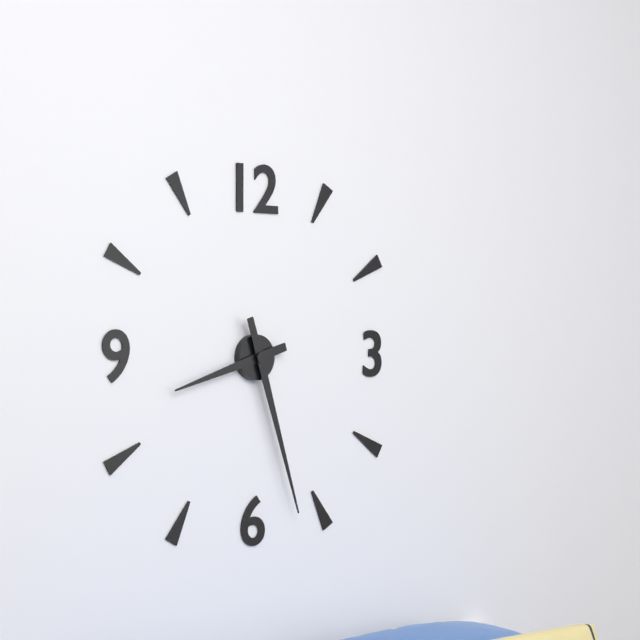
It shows 8 h 27 min
